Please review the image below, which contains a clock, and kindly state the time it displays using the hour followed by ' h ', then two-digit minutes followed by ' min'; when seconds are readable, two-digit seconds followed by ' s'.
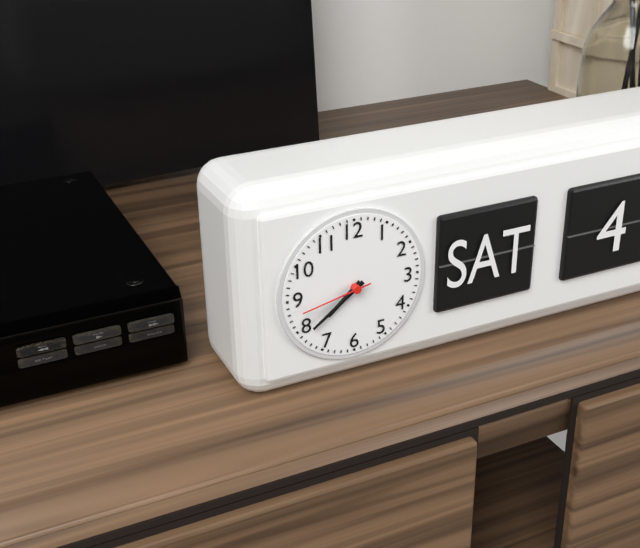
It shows 7 h 39 min 43 s
